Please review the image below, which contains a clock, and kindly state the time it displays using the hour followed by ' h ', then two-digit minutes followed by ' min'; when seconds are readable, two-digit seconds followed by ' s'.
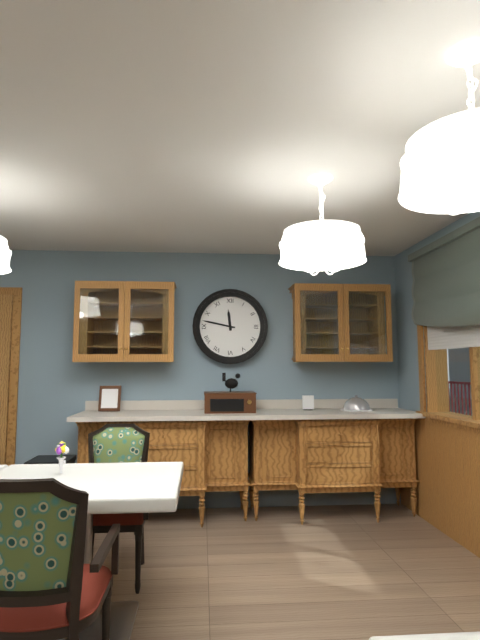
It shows 11 h 47 min
